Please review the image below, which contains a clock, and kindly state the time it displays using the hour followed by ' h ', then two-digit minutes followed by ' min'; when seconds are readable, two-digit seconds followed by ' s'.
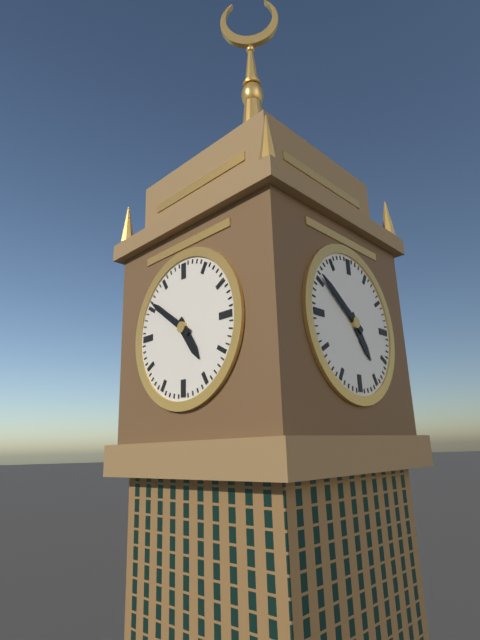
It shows 4 h 51 min
